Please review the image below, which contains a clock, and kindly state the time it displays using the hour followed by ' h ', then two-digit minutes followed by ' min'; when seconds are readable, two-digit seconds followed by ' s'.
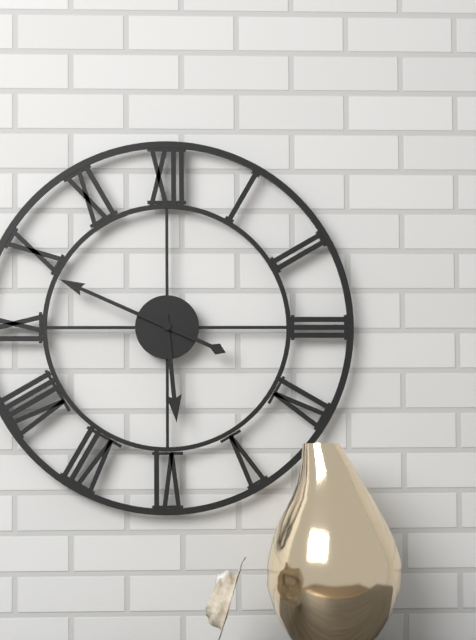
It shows 5 h 49 min
